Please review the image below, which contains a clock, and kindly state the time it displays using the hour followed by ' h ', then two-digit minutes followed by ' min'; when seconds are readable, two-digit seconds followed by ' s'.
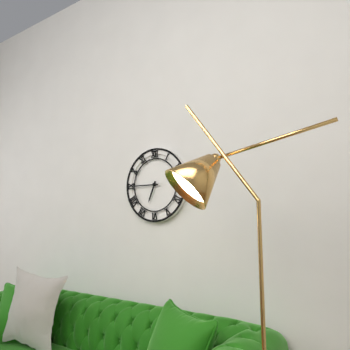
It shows 6 h 45 min
